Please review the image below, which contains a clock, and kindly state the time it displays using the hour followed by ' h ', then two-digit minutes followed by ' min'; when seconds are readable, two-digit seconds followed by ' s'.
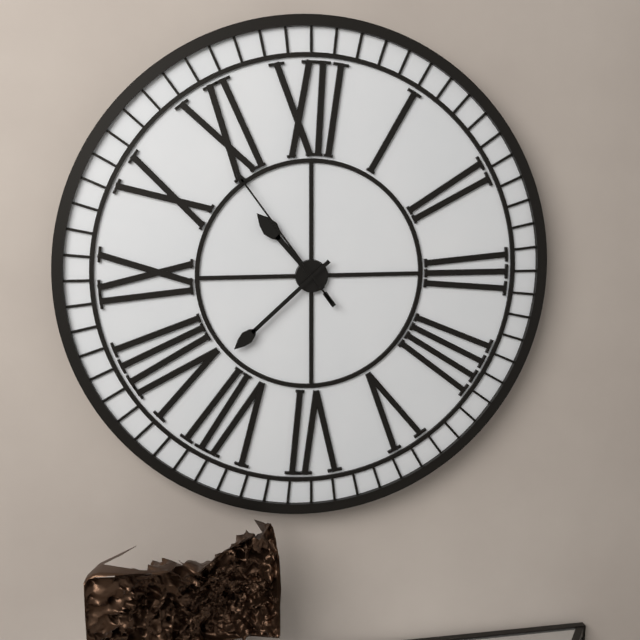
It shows 10 h 38 min 54 s
